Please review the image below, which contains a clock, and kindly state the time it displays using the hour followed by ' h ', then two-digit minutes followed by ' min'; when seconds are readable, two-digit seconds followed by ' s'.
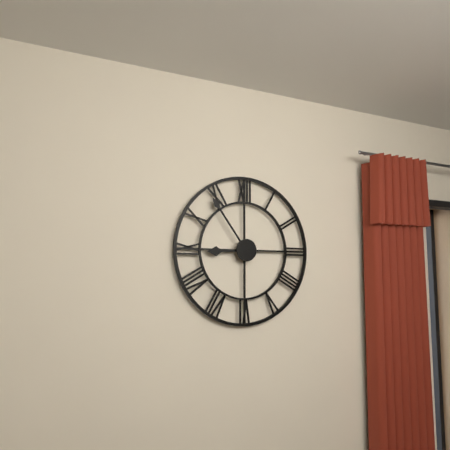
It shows 8 h 54 min
